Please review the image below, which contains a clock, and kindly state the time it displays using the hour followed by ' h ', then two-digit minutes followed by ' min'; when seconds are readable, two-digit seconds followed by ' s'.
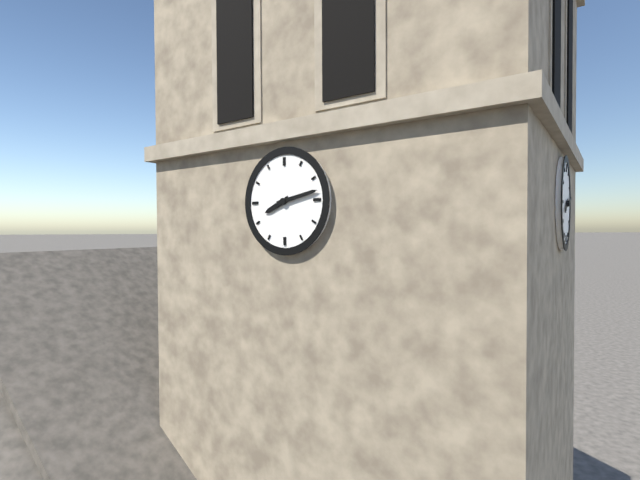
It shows 8 h 13 min
